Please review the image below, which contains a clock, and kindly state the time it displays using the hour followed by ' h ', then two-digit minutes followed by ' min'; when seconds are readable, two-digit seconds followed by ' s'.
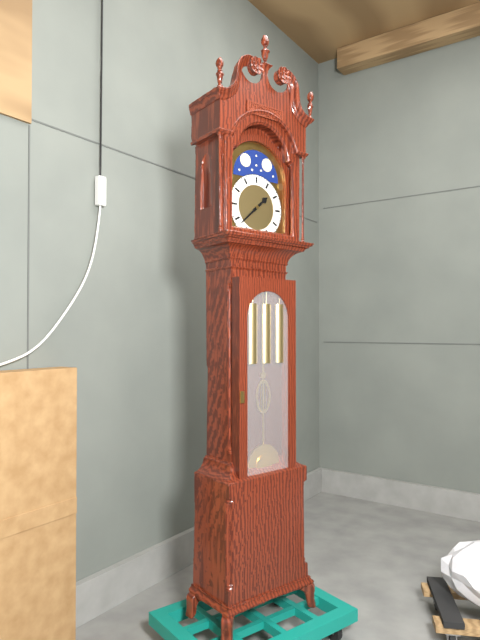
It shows 1 h 38 min
